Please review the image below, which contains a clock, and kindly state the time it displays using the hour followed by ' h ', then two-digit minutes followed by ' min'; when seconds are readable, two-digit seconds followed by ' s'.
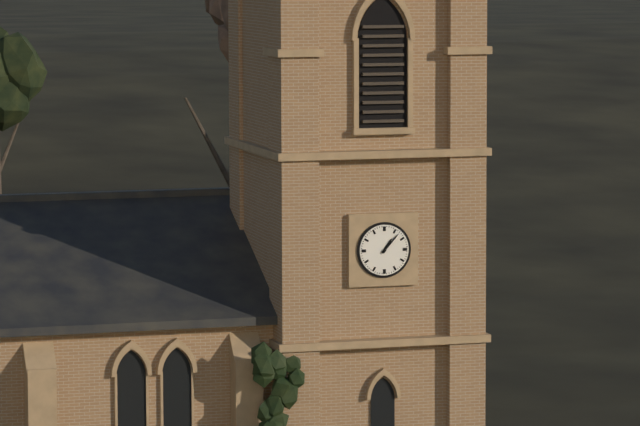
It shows 1 h 07 min
